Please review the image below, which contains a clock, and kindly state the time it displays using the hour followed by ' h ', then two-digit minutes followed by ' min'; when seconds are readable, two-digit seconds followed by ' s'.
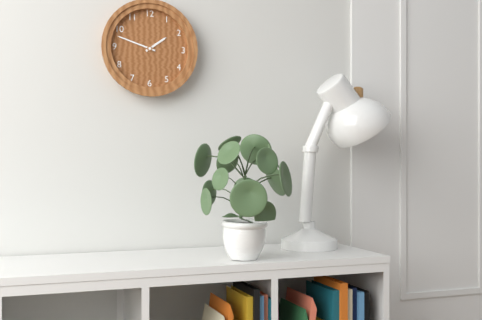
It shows 1 h 48 min
